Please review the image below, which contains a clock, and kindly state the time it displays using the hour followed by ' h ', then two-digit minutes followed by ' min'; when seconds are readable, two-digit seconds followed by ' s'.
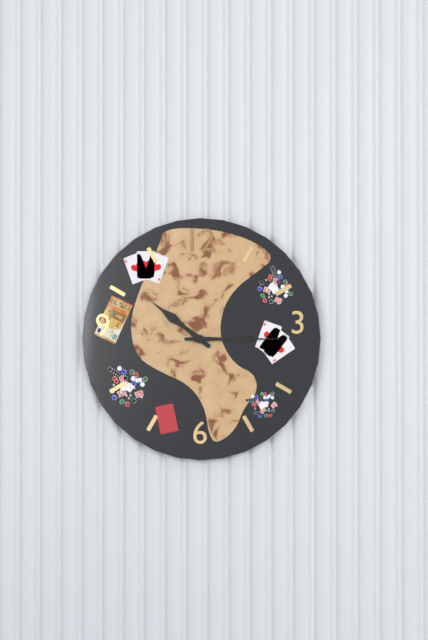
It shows 10 h 15 min
